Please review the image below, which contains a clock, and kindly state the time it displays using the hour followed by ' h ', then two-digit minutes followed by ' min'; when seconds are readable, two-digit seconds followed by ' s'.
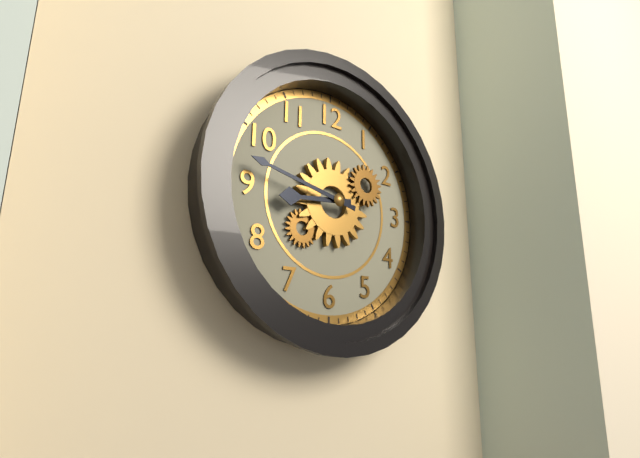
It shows 8 h 47 min
